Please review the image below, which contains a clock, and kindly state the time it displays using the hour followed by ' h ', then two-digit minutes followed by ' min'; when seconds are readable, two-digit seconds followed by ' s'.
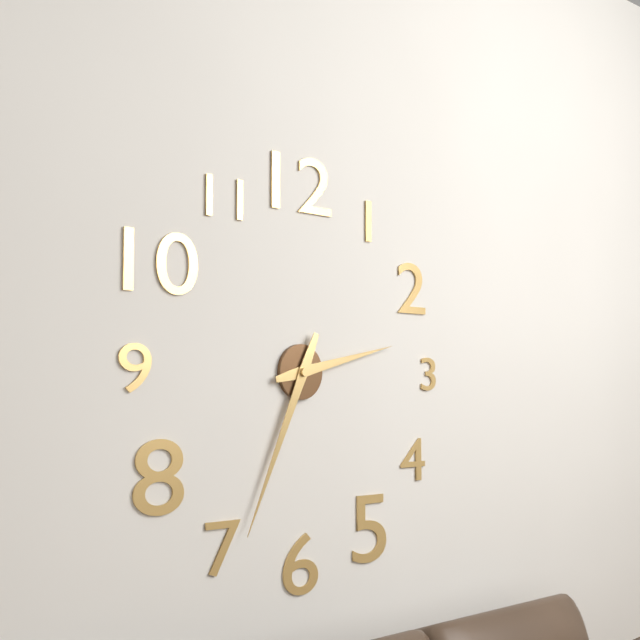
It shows 2 h 34 min
